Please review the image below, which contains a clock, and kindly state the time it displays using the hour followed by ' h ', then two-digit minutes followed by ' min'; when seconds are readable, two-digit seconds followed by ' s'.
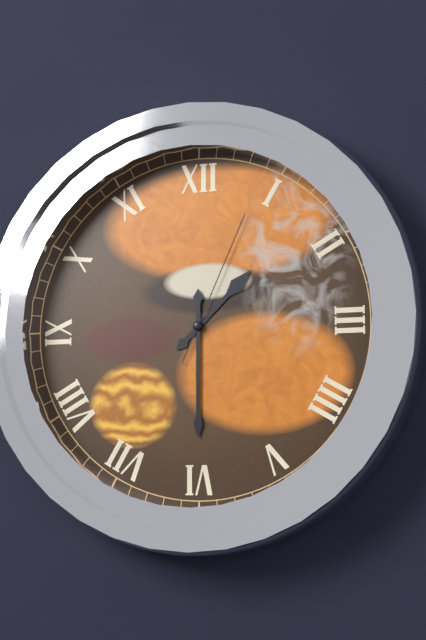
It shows 1 h 30 min 04 s
